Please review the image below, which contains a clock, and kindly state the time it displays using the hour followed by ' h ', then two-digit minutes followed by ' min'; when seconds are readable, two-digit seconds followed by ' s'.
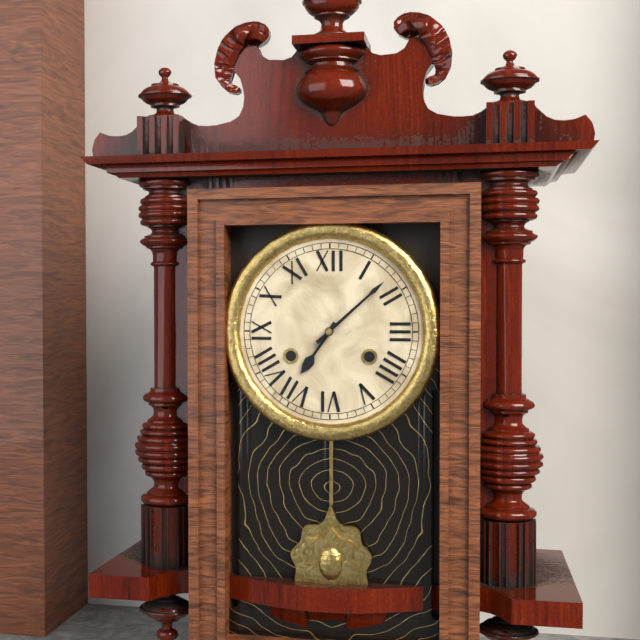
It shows 7 h 08 min
